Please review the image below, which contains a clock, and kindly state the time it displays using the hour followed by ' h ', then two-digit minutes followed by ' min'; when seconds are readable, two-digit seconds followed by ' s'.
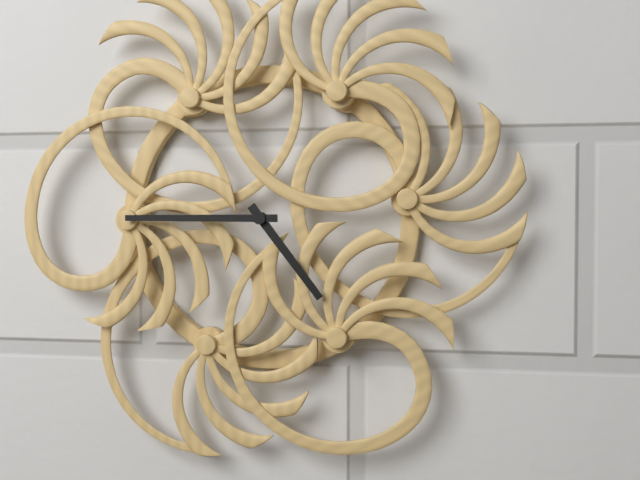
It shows 4 h 45 min
